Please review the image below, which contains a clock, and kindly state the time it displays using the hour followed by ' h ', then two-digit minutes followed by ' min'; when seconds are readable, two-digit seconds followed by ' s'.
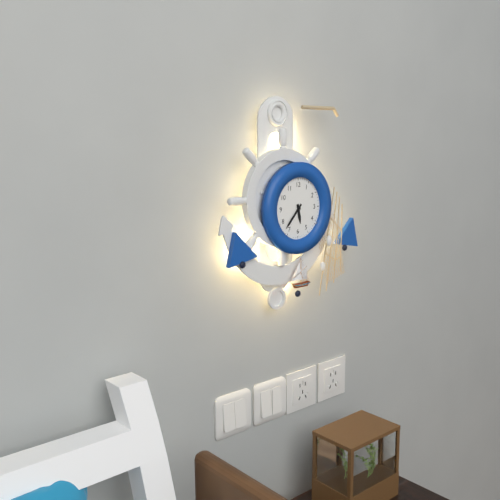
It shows 5 h 37 min
